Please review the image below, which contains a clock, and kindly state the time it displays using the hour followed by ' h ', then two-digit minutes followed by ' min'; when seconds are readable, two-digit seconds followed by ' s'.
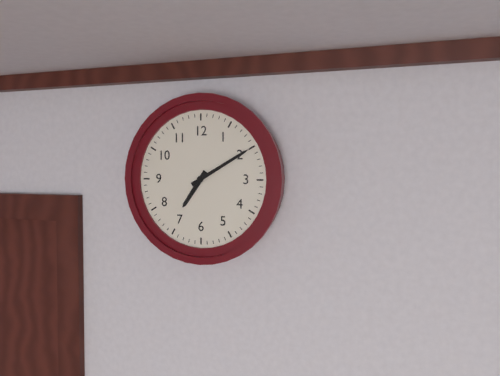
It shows 7 h 10 min
